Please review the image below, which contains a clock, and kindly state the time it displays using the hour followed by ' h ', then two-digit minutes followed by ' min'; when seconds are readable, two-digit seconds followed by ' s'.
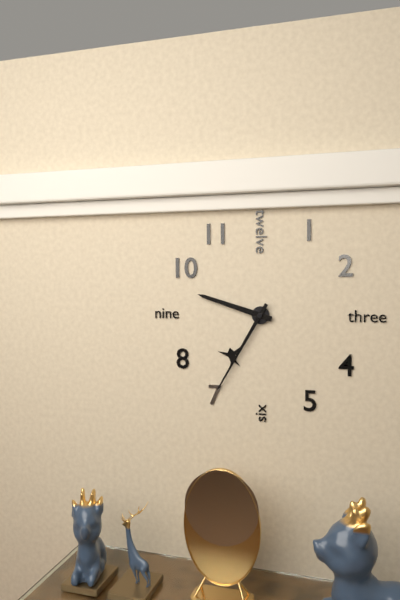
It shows 9 h 35 min
